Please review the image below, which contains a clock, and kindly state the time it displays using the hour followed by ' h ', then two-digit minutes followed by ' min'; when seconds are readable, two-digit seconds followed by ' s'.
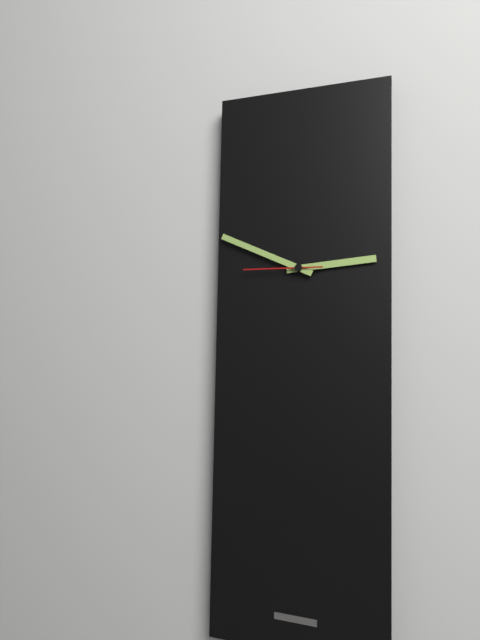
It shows 2 h 49 min 45 s
